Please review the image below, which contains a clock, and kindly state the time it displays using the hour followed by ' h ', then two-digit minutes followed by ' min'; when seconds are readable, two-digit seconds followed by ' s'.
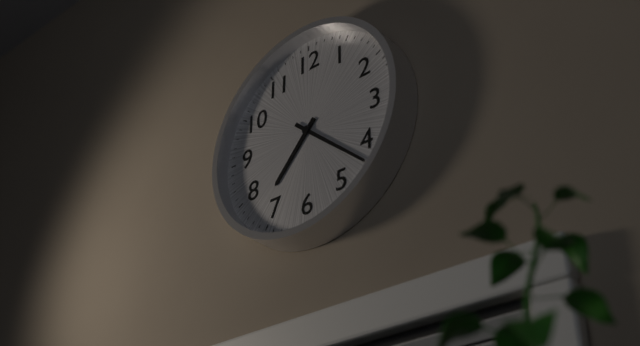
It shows 7 h 22 min
